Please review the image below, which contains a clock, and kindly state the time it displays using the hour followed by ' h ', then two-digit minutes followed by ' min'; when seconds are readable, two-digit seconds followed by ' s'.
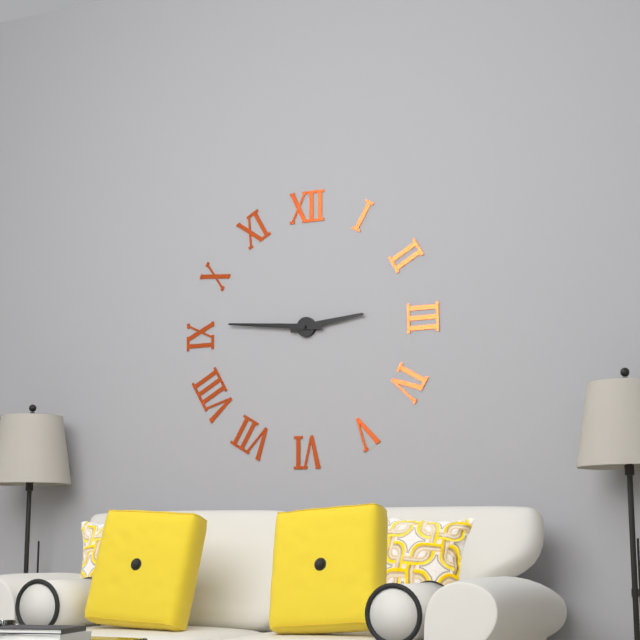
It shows 2 h 46 min
